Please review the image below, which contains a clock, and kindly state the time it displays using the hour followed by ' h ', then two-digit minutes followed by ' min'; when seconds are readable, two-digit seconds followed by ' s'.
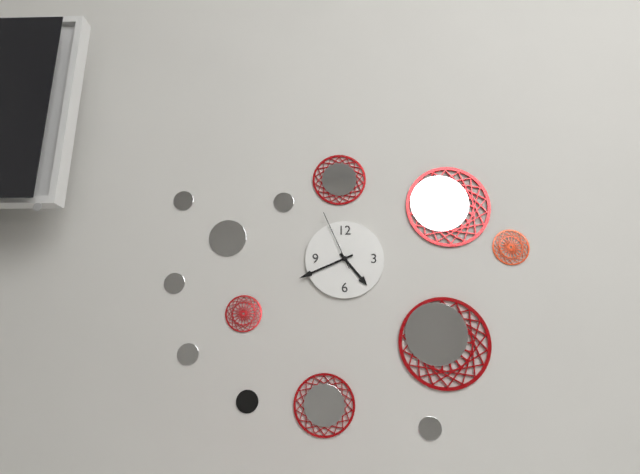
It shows 4 h 41 min 56 s
